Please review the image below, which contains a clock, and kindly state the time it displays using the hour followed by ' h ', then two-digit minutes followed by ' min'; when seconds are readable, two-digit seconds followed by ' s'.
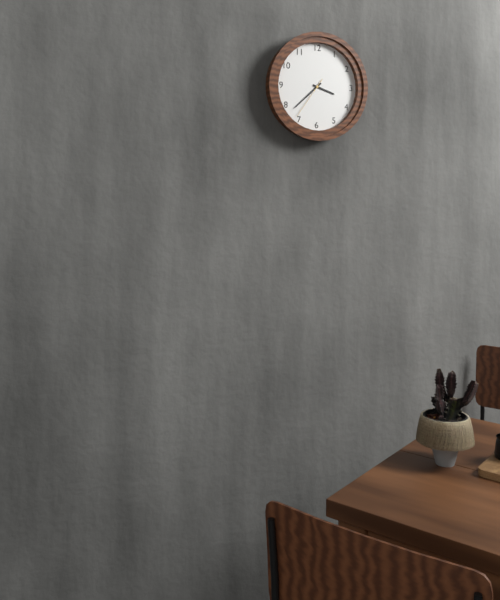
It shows 3 h 38 min
